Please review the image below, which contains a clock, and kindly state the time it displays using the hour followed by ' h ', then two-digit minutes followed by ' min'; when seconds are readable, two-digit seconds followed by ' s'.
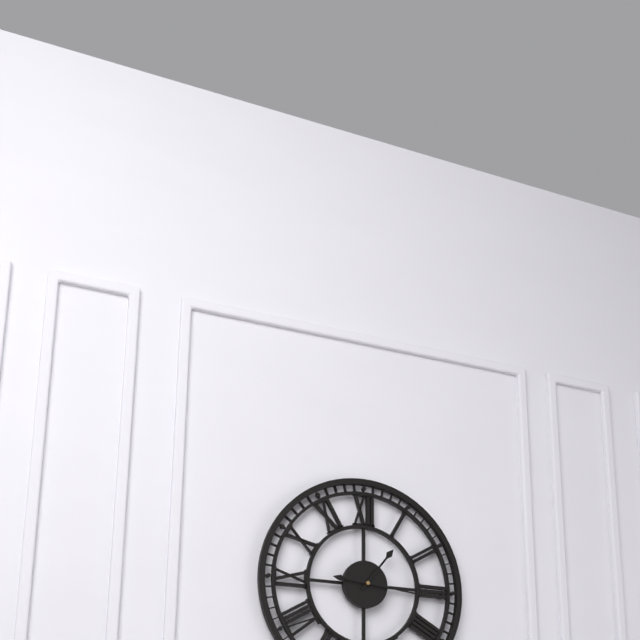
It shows 1 h 16 min
